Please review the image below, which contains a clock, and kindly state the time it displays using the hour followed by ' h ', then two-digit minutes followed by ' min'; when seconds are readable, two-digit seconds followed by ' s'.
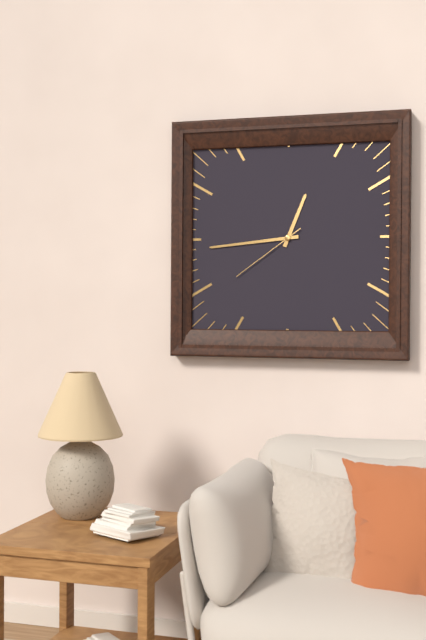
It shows 12 h 44 min 39 s
